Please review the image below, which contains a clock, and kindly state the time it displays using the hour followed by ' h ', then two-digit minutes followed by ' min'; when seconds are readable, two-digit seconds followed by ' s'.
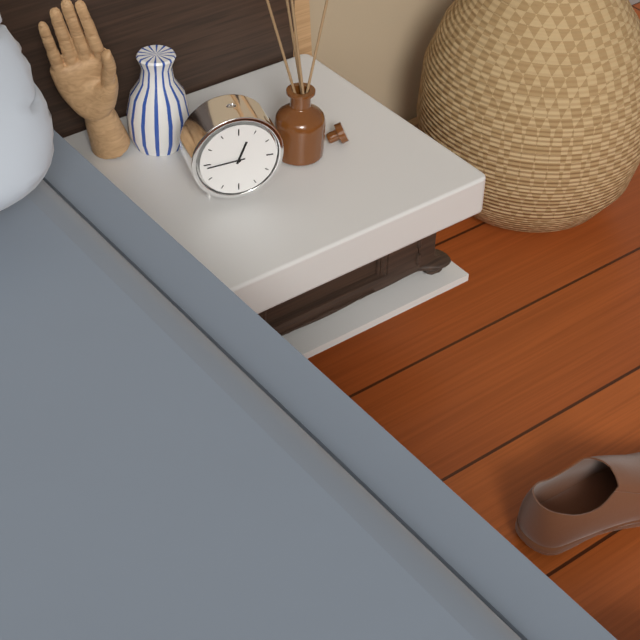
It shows 12 h 44 min
